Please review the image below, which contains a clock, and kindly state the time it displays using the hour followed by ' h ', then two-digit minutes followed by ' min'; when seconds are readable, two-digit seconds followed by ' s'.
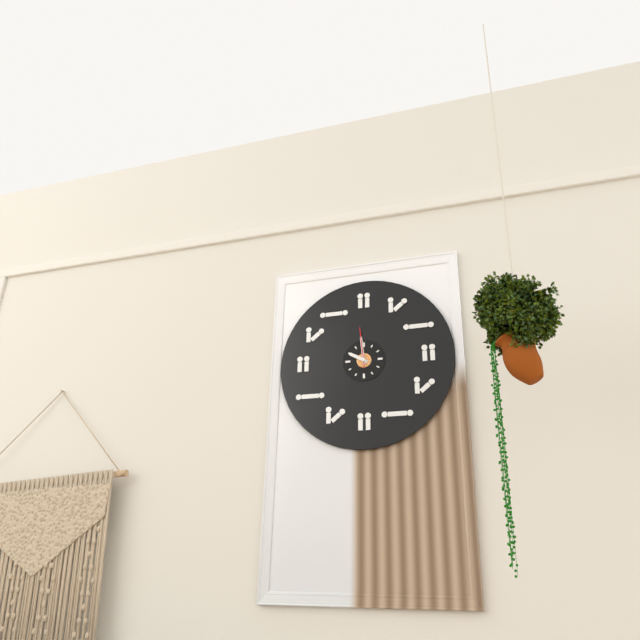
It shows 9 h 59 min
